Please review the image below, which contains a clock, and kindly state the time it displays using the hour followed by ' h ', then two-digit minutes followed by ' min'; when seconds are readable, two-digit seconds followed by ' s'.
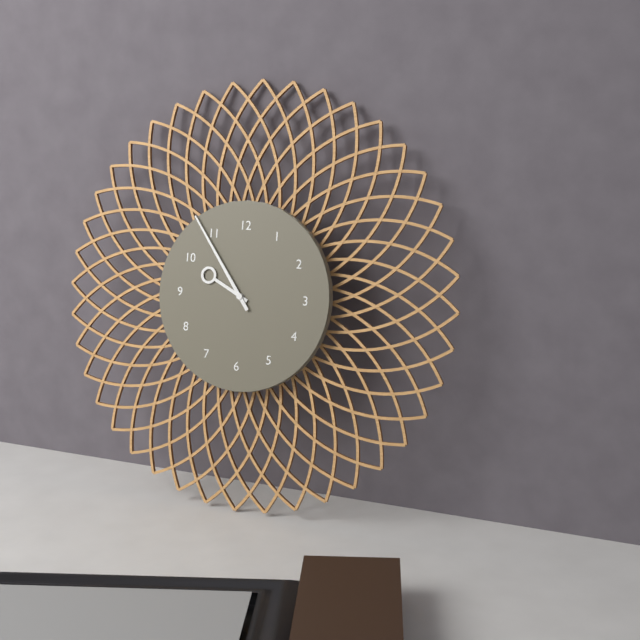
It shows 9 h 54 min
